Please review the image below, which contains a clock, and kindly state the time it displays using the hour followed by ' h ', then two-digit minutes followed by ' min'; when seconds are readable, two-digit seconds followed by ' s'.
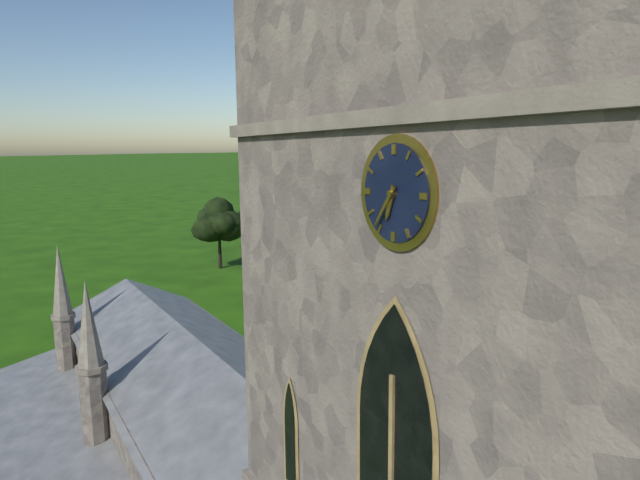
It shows 6 h 36 min
